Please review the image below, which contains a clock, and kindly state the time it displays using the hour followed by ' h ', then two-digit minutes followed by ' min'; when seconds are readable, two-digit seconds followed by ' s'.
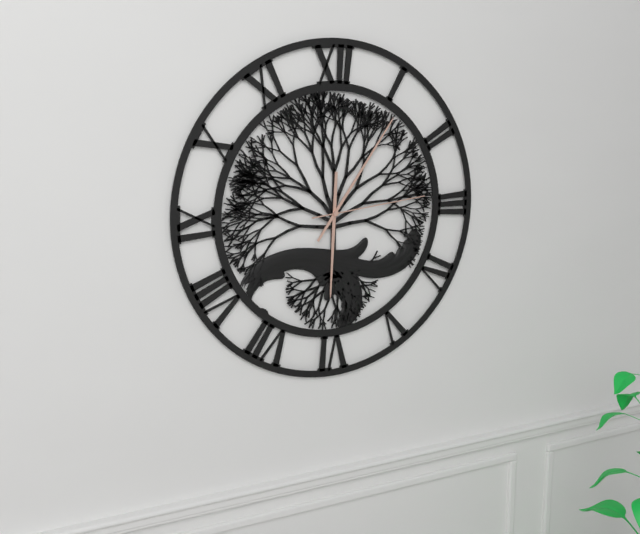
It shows 6 h 06 min 14 s
